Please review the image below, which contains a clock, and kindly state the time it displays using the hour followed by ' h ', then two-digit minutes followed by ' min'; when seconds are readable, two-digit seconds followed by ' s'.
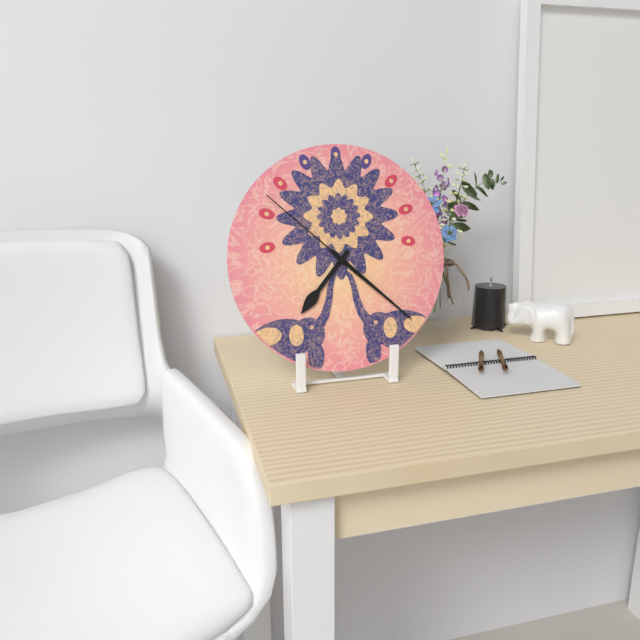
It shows 7 h 22 min 52 s
